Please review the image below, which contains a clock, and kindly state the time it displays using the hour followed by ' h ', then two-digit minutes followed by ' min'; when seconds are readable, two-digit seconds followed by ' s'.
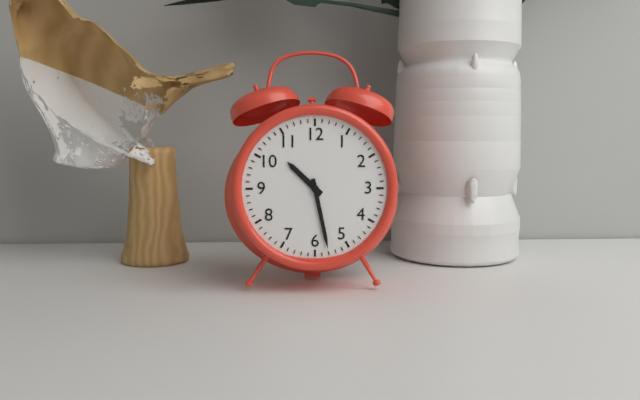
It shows 10 h 28 min
